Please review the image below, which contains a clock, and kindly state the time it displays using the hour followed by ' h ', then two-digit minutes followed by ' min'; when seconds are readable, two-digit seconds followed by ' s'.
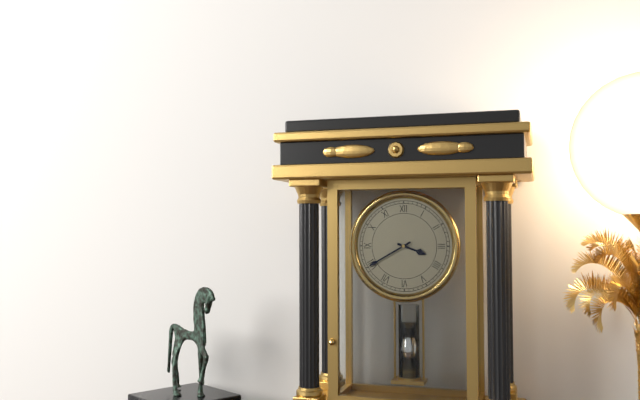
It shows 3 h 40 min
